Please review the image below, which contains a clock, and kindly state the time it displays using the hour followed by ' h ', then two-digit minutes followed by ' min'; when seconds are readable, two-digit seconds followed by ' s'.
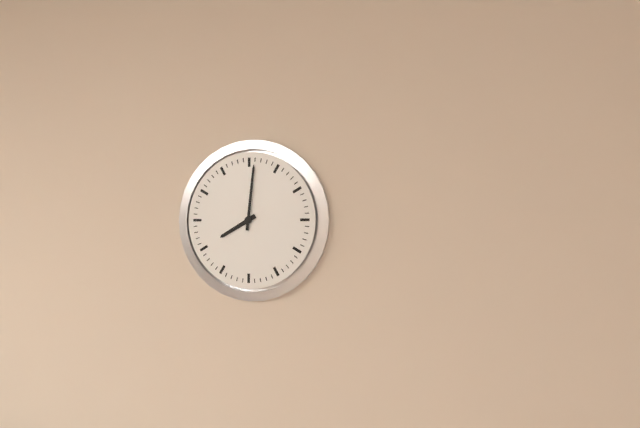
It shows 8 h 01 min
